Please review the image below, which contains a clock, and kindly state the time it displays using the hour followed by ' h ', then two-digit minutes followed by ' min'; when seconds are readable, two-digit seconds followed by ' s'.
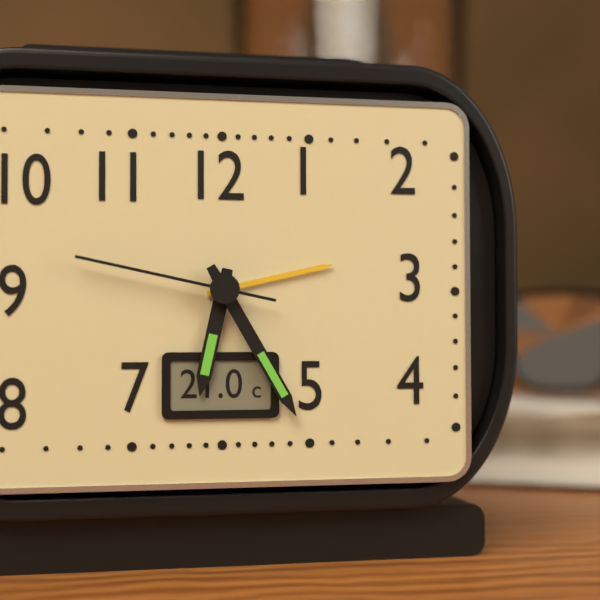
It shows 6 h 25 min 47 s
